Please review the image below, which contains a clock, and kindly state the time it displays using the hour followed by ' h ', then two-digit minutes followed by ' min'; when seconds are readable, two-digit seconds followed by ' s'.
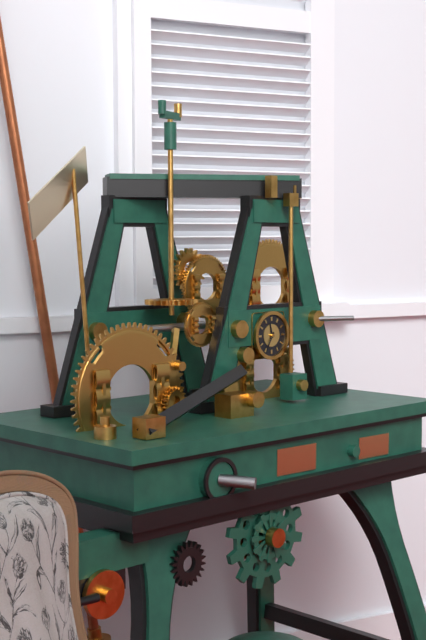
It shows 11 h 35 min
